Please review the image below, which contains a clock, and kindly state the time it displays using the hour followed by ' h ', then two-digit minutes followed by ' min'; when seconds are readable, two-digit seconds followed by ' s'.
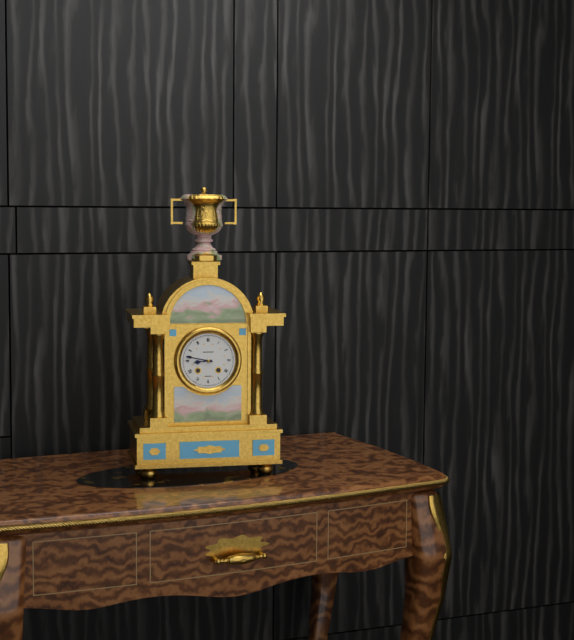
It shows 8 h 47 min
